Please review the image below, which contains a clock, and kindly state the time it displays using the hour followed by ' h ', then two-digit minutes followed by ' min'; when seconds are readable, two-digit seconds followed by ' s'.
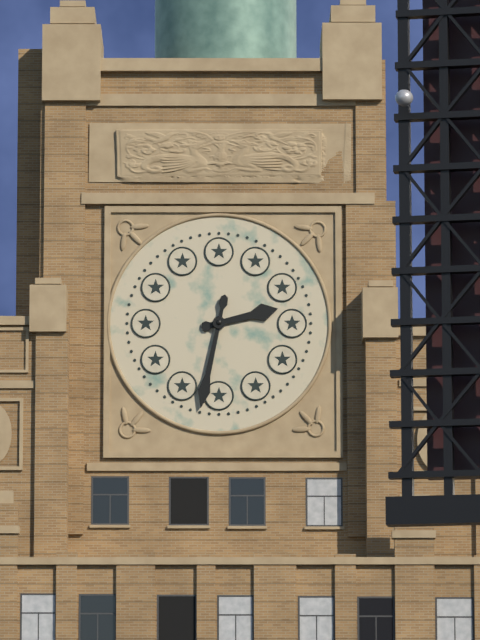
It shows 2 h 32 min
